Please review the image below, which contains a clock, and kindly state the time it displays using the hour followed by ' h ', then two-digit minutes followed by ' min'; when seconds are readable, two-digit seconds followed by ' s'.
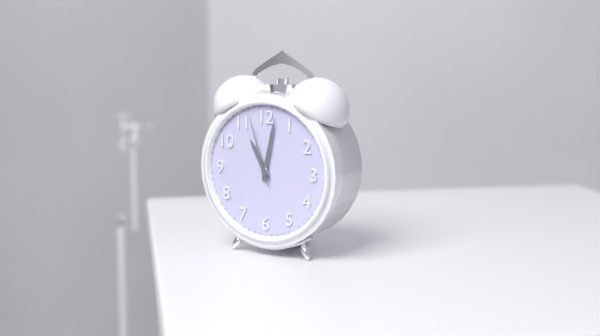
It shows 11 h 02 min 57 s
